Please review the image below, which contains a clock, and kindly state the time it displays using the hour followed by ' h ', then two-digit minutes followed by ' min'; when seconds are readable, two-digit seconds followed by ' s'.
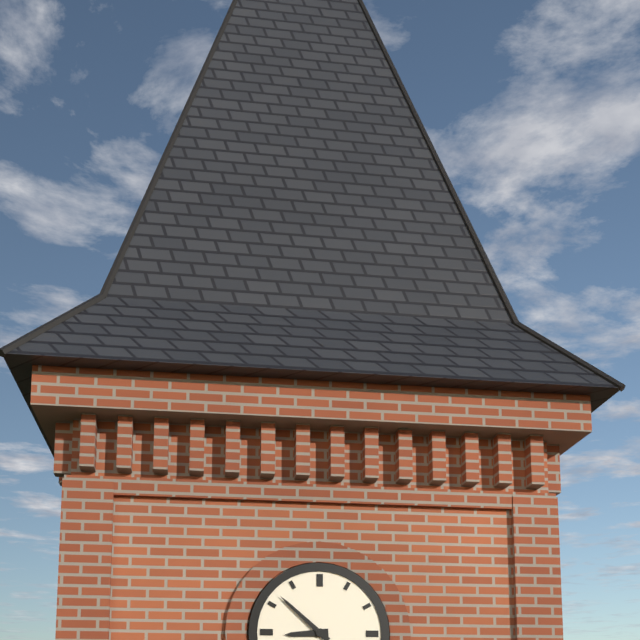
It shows 8 h 52 min
